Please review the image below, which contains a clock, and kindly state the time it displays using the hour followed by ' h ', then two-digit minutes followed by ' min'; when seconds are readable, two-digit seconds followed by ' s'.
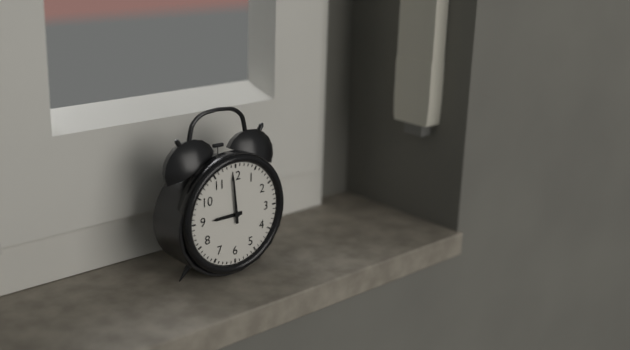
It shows 8 h 59 min
